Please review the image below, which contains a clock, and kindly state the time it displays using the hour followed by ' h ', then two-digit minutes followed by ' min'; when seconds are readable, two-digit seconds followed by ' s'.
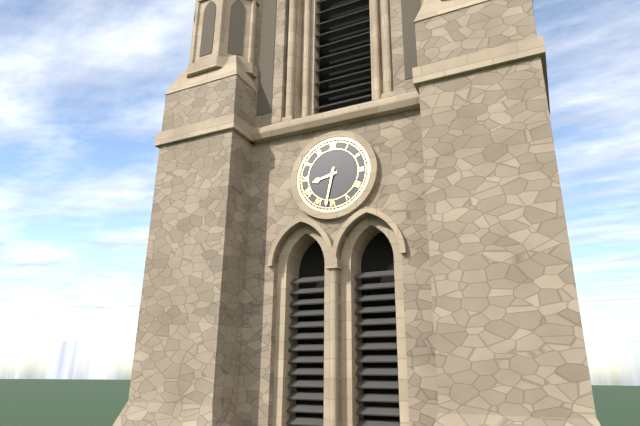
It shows 8 h 32 min
